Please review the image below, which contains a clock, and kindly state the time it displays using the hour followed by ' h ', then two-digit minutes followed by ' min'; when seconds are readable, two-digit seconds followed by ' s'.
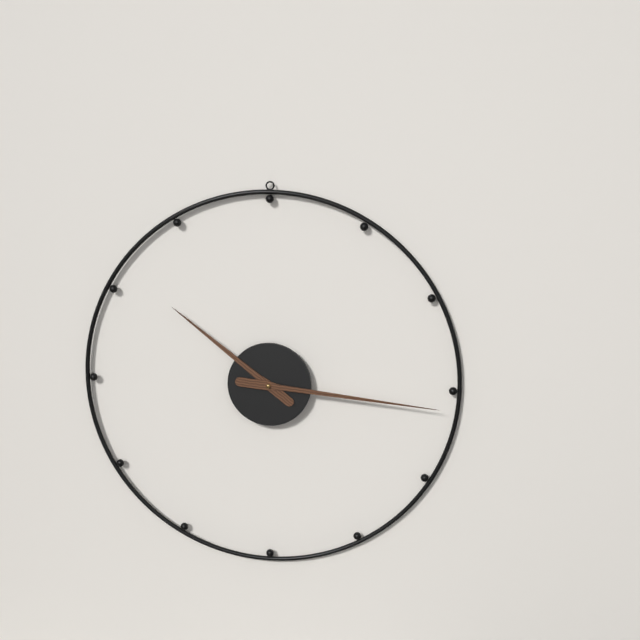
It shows 10 h 16 min
